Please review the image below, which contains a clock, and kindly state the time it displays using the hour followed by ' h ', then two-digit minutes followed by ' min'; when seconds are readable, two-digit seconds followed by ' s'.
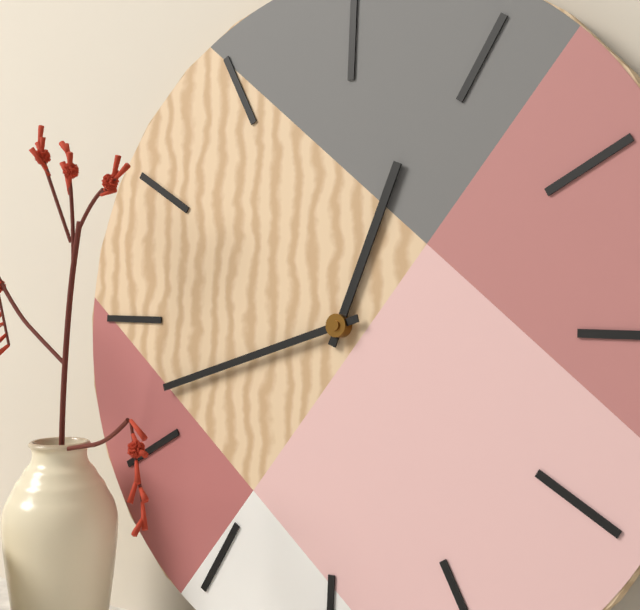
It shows 12 h 42 min
